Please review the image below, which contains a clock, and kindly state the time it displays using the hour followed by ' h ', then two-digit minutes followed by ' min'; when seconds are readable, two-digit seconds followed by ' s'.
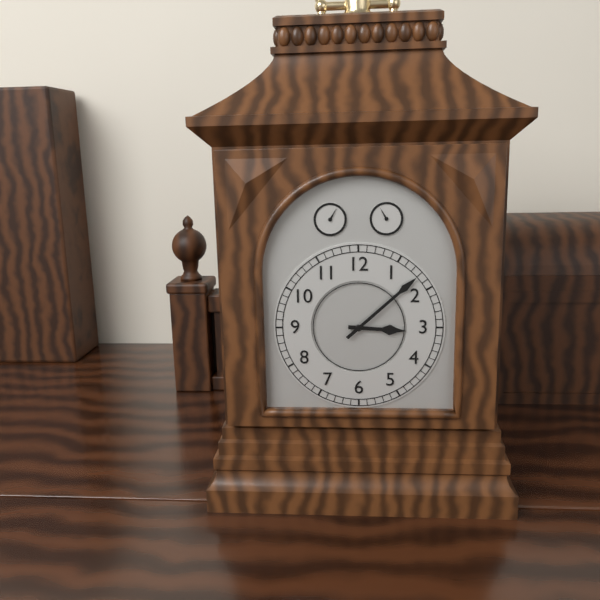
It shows 3 h 08 min
